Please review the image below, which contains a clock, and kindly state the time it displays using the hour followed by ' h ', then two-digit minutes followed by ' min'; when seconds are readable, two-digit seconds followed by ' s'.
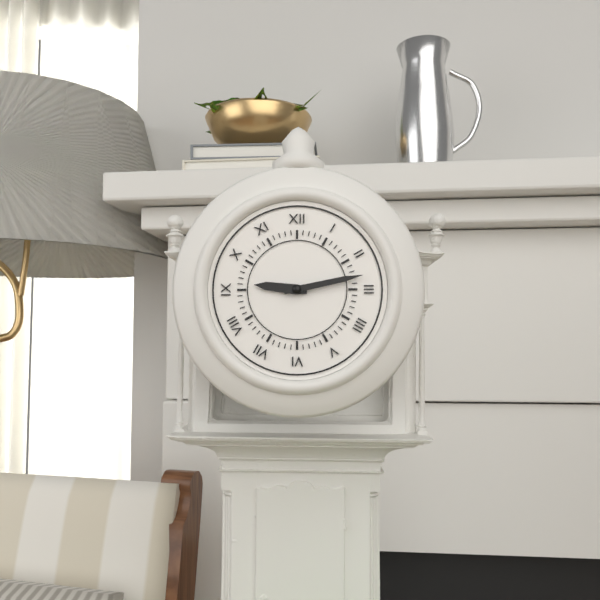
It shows 9 h 13 min
